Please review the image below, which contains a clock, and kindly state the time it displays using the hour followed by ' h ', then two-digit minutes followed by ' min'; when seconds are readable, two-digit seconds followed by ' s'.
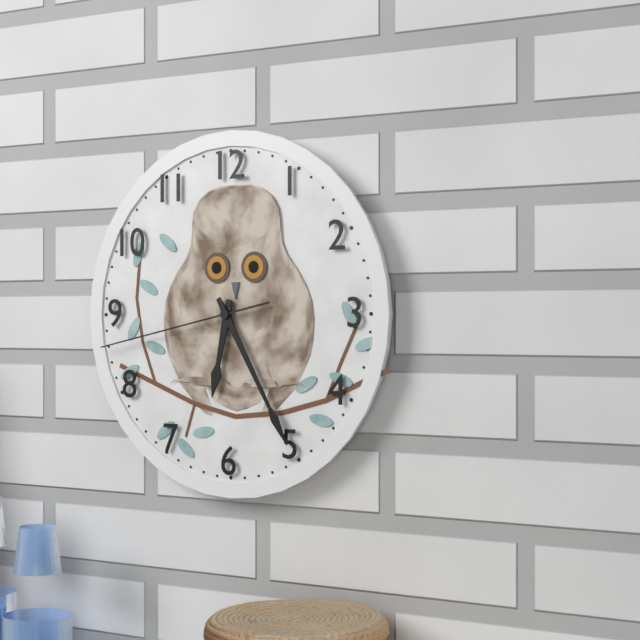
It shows 6 h 25 min 43 s
